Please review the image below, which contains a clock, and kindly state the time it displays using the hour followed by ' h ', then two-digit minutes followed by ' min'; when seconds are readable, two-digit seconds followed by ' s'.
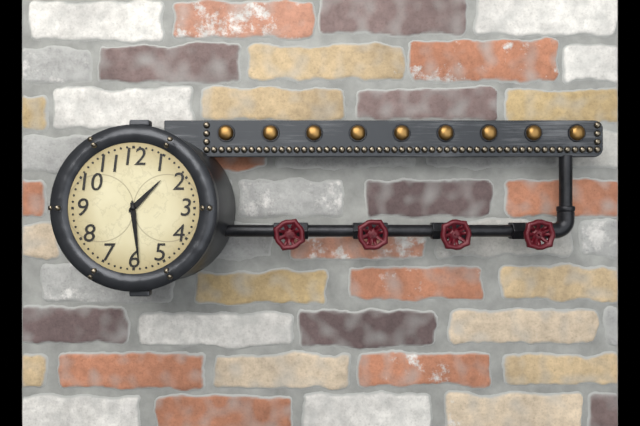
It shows 1 h 29 min
